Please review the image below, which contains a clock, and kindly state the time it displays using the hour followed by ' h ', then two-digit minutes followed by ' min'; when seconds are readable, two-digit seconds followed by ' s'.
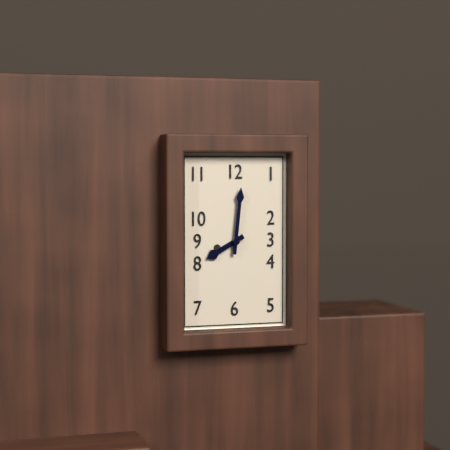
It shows 8 h 01 min
